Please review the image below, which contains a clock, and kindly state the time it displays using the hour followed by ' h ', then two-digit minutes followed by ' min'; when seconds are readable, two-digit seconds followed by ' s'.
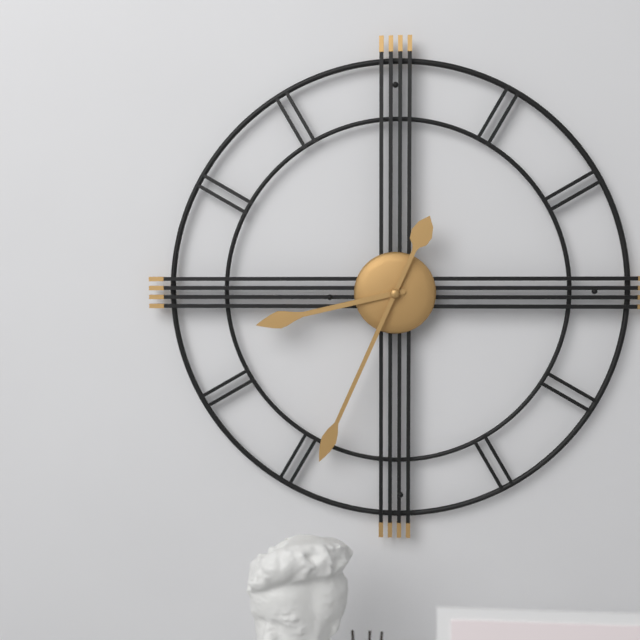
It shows 8 h 34 min
